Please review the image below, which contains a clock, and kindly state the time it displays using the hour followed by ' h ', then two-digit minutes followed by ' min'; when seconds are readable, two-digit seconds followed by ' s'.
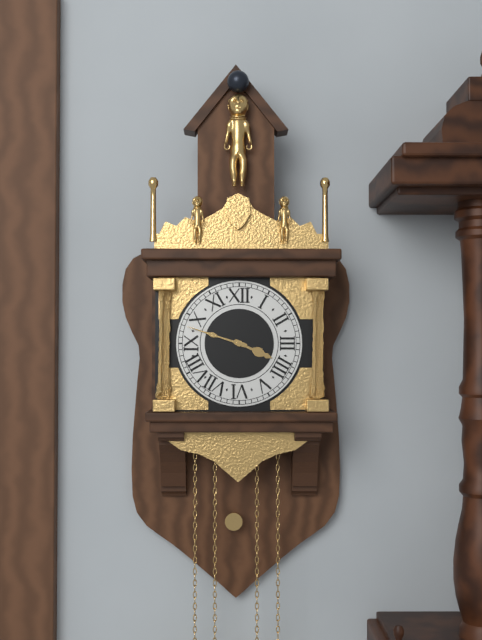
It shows 3 h 48 min
